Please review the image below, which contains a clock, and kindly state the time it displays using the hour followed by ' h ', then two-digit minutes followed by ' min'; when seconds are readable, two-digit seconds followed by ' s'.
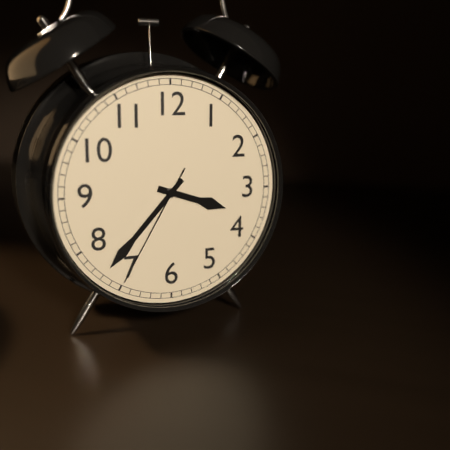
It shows 3 h 37 min 35 s
